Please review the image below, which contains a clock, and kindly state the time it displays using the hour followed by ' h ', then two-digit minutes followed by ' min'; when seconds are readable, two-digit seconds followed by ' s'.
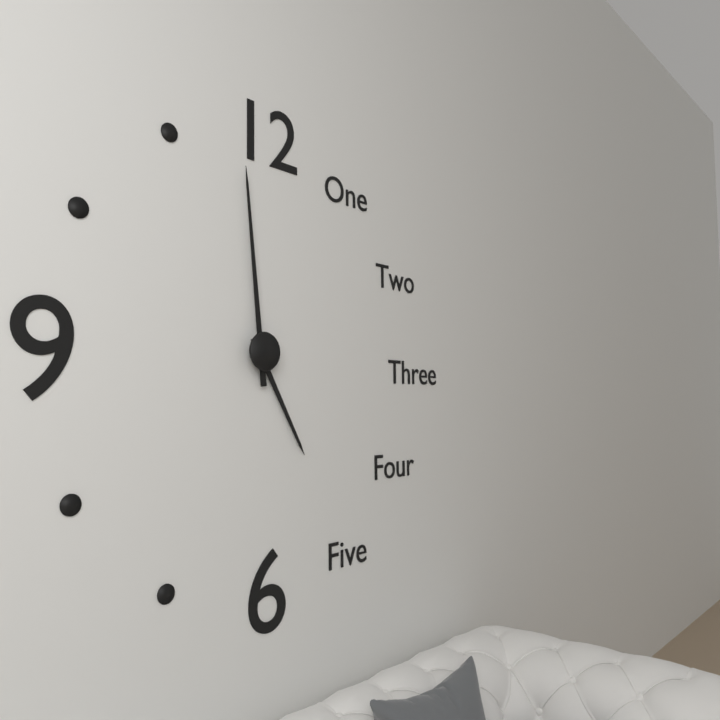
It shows 4 h 59 min
